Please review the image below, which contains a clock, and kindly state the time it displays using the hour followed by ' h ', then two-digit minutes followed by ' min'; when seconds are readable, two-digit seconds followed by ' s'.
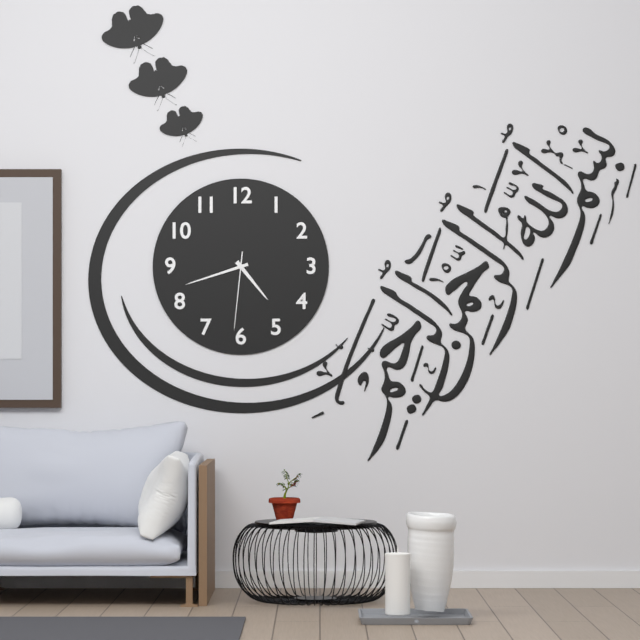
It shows 4 h 42 min 31 s
